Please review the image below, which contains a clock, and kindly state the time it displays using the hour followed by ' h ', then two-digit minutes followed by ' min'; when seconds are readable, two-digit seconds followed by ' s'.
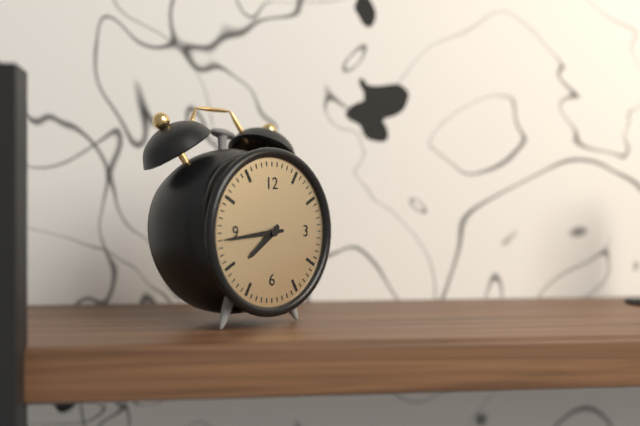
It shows 7 h 44 min
